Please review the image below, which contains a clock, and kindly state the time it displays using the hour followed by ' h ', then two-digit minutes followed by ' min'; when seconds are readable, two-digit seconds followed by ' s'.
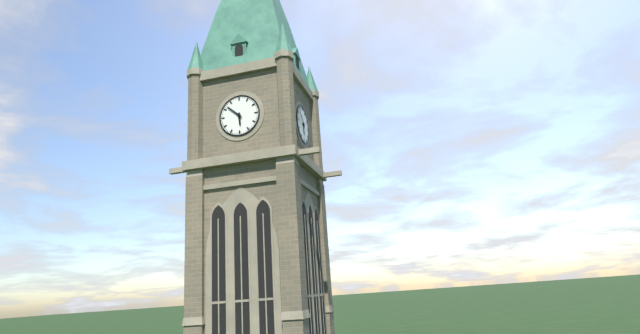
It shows 5 h 52 min
